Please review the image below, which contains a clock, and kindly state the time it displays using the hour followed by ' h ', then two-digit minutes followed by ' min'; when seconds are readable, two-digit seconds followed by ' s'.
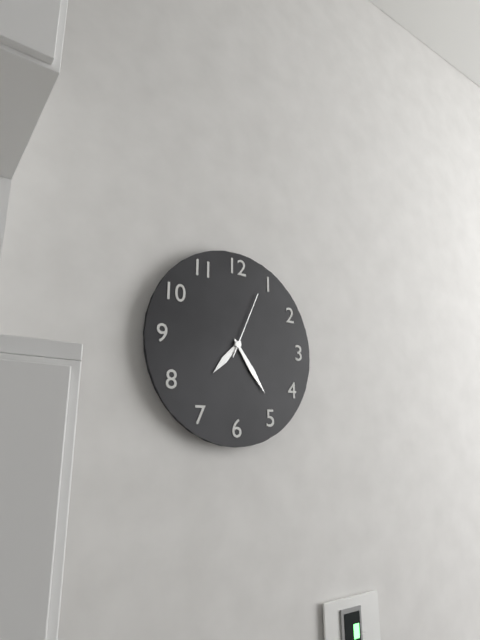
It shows 7 h 24 min 04 s
